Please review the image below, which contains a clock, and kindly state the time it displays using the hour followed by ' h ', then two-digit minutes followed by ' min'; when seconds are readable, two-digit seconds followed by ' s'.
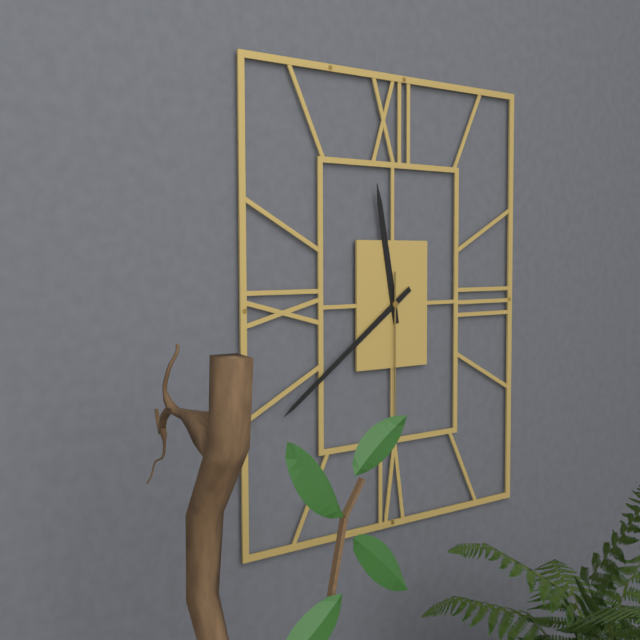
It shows 11 h 39 min 30 s
